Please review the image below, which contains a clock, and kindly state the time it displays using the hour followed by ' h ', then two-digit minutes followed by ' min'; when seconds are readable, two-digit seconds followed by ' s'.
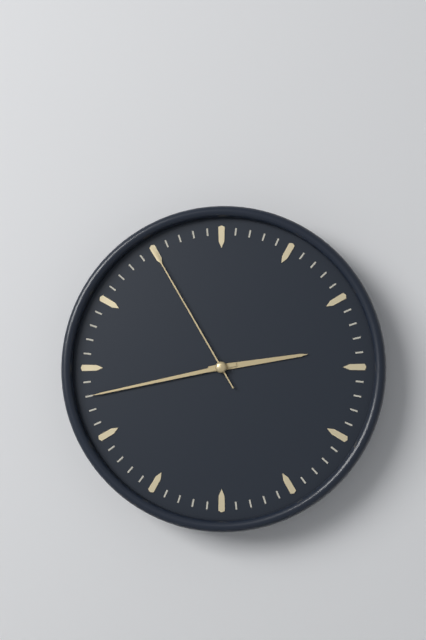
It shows 2 h 43 min 55 s
